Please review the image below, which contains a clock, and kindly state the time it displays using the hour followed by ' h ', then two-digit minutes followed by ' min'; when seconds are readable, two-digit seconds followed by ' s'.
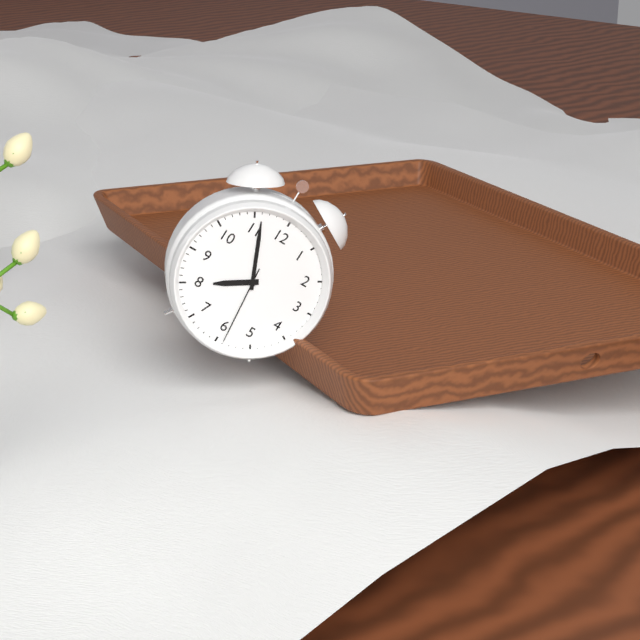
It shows 7 h 56 min 29 s
